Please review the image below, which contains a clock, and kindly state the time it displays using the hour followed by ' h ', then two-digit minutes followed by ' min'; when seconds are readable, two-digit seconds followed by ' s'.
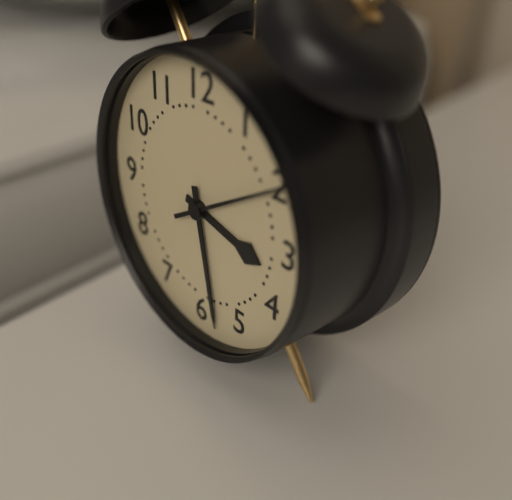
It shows 3 h 28 min 10 s
